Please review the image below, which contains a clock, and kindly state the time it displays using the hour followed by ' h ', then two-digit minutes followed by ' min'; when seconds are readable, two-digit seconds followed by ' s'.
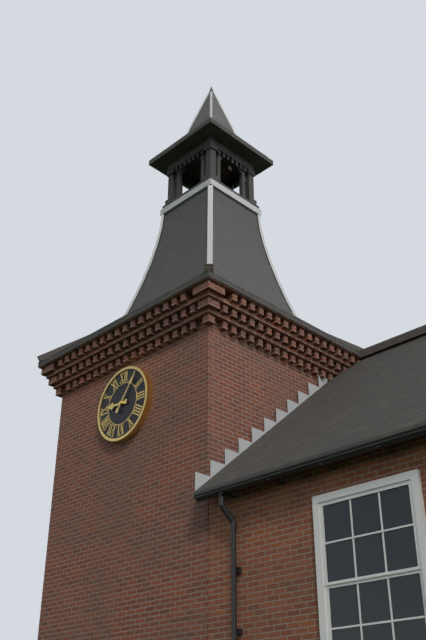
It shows 9 h 06 min
